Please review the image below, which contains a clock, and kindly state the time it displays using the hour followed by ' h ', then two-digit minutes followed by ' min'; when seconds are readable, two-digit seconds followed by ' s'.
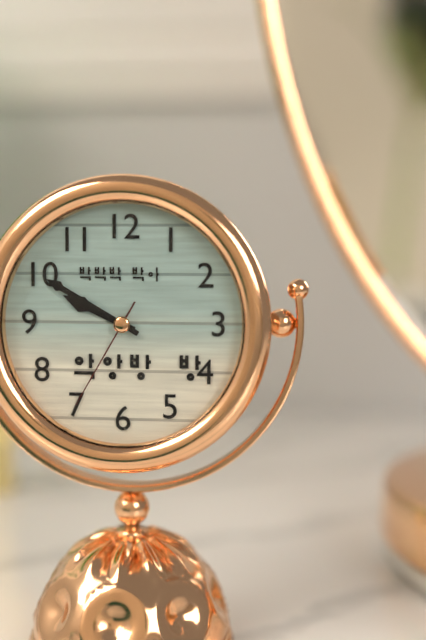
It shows 9 h 50 min 35 s
